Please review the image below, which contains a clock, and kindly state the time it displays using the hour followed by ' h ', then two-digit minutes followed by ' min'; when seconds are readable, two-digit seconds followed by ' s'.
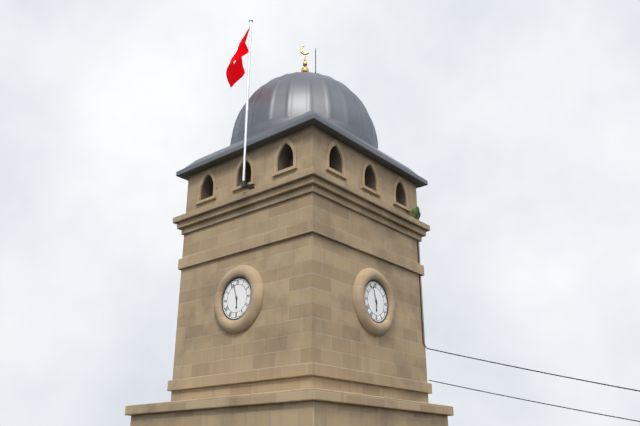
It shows 5 h 57 min
